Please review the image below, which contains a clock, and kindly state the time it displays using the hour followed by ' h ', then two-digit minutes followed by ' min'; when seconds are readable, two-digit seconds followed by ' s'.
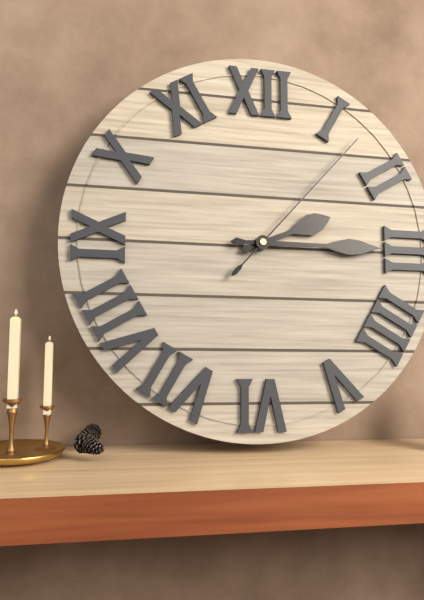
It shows 2 h 15 min 07 s
